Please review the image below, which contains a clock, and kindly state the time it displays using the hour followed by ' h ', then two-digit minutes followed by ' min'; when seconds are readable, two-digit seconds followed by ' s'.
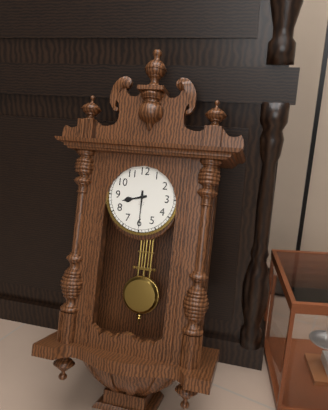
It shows 8 h 30 min
